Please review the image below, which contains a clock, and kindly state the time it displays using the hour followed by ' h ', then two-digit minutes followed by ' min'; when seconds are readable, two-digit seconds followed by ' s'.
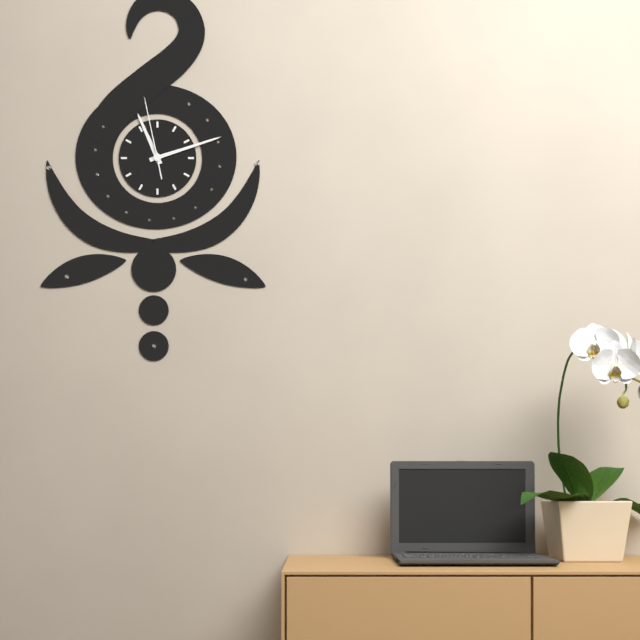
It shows 11 h 12 min 58 s
